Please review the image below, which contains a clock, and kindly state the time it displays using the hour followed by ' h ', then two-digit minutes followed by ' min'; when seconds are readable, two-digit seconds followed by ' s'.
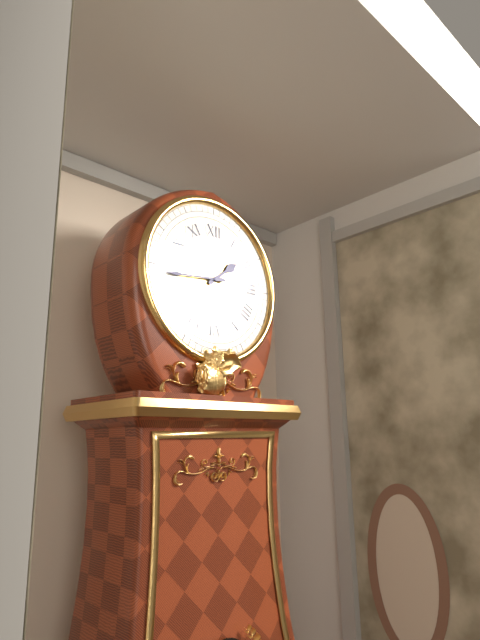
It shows 1 h 44 min
